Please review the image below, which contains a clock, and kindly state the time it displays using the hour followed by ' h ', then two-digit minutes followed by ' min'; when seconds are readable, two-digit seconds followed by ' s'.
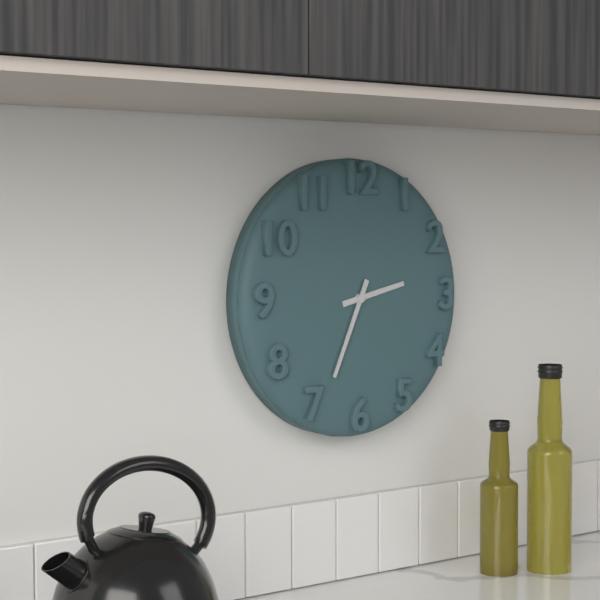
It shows 2 h 34 min
